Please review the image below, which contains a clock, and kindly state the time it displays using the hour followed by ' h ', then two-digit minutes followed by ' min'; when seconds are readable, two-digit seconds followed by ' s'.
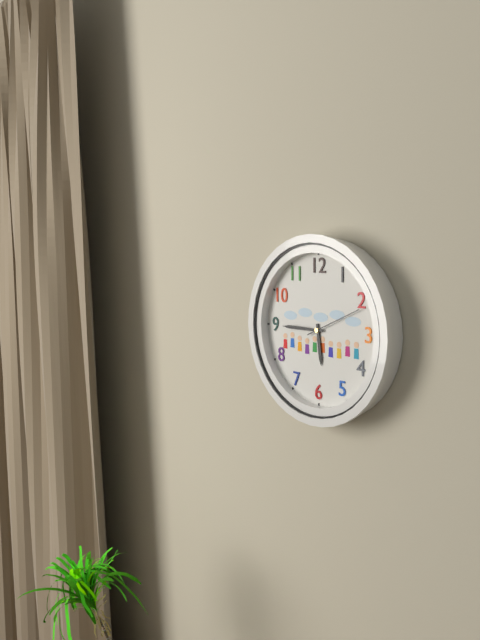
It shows 5 h 45 min 11 s
